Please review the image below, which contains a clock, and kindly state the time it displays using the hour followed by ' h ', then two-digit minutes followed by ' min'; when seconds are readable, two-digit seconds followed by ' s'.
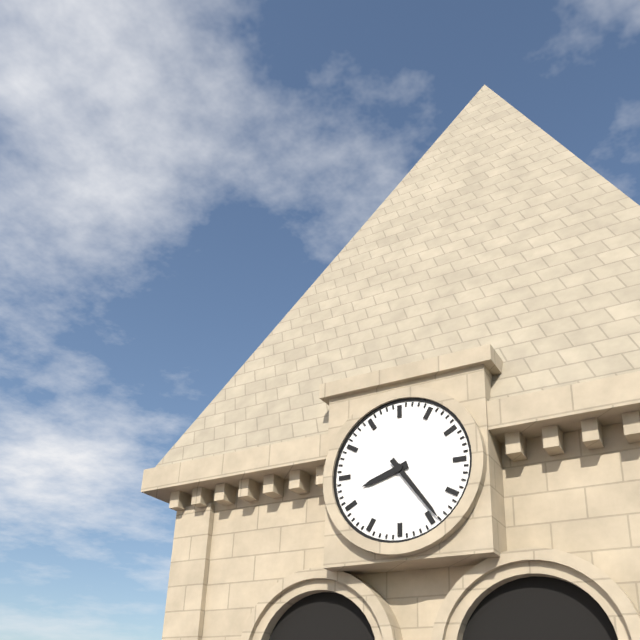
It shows 8 h 24 min
